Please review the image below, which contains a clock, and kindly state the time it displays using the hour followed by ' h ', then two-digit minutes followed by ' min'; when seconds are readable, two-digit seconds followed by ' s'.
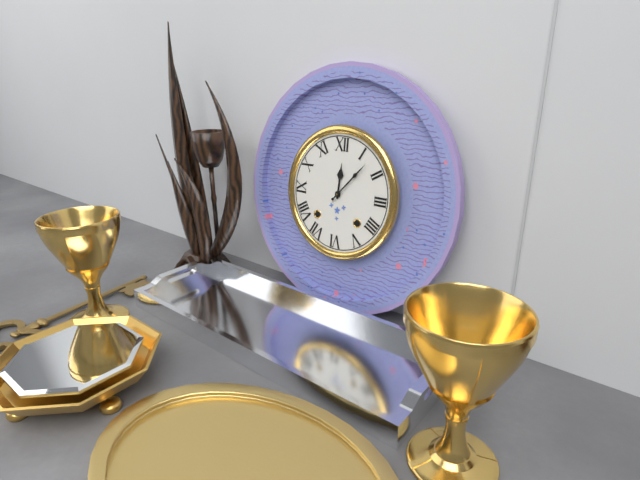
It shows 12 h 07 min
